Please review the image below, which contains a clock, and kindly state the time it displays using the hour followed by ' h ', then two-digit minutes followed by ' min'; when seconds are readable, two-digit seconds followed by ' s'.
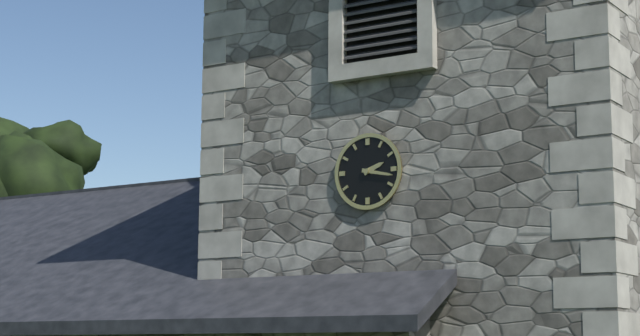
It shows 2 h 17 min
